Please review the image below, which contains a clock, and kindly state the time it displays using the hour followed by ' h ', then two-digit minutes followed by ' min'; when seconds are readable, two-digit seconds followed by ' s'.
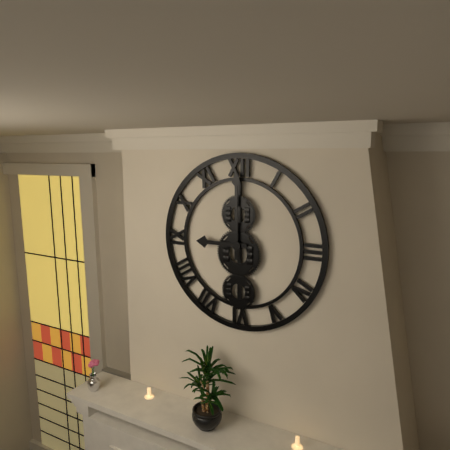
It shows 9 h 00 min
